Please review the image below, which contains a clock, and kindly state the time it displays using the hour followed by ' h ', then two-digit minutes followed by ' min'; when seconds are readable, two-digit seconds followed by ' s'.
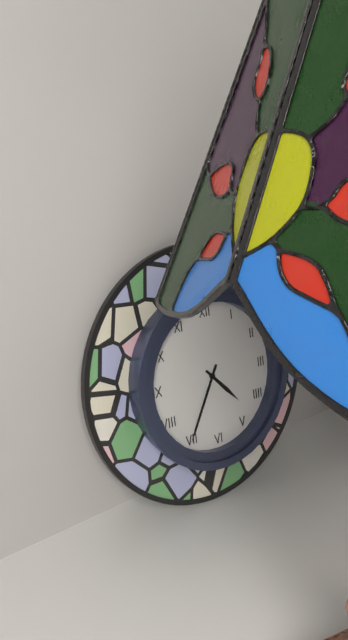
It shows 4 h 35 min
